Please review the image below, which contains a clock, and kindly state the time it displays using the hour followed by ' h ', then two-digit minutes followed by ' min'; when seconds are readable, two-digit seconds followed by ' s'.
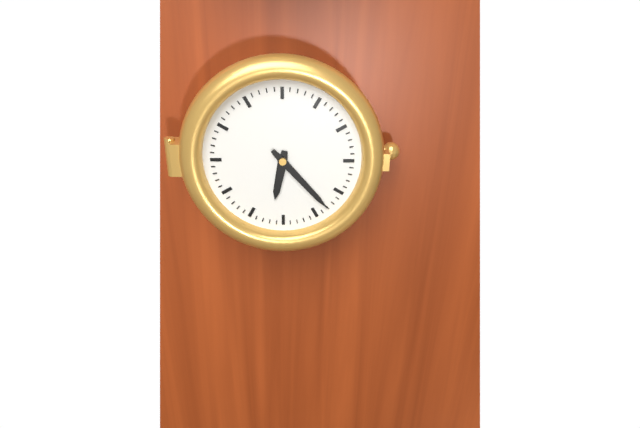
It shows 6 h 23 min
